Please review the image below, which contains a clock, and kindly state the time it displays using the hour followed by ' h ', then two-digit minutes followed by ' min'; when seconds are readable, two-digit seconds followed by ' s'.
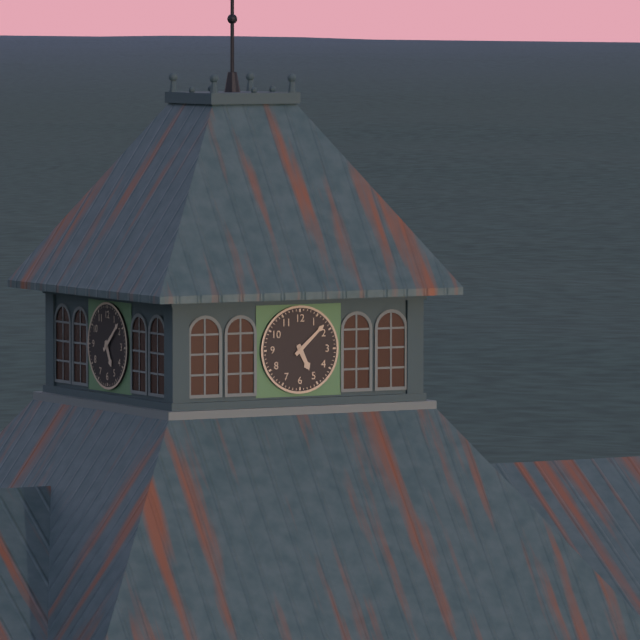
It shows 5 h 08 min
